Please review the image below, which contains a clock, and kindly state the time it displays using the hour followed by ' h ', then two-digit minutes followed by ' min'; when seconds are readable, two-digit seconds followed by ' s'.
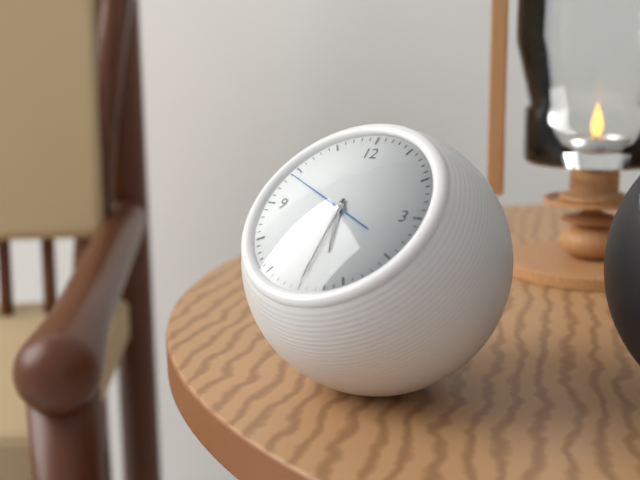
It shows 5 h 30 min 49 s
